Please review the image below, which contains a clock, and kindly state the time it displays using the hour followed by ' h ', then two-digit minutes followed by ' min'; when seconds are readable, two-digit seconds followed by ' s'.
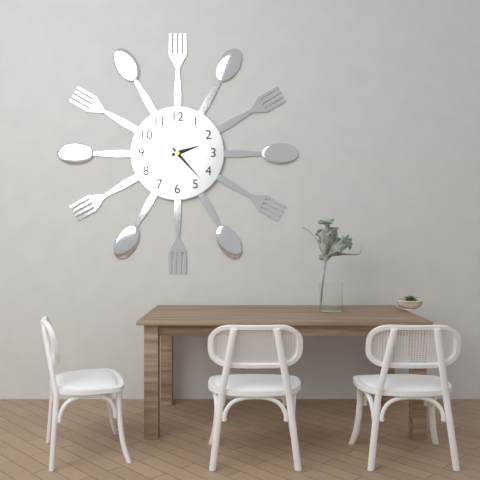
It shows 2 h 23 min
